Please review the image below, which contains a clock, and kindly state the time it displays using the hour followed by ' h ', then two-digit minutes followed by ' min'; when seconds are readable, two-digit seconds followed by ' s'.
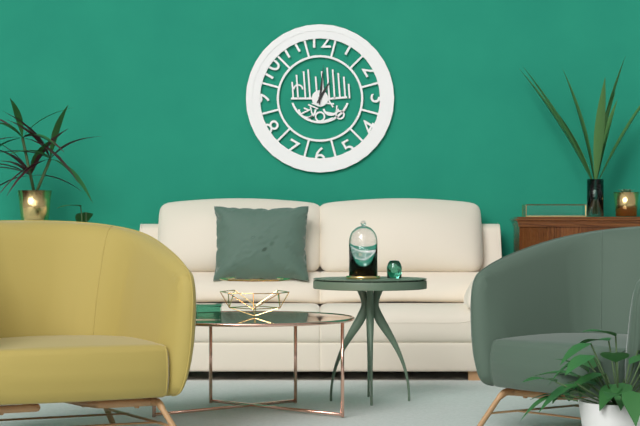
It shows 1 h 01 min
